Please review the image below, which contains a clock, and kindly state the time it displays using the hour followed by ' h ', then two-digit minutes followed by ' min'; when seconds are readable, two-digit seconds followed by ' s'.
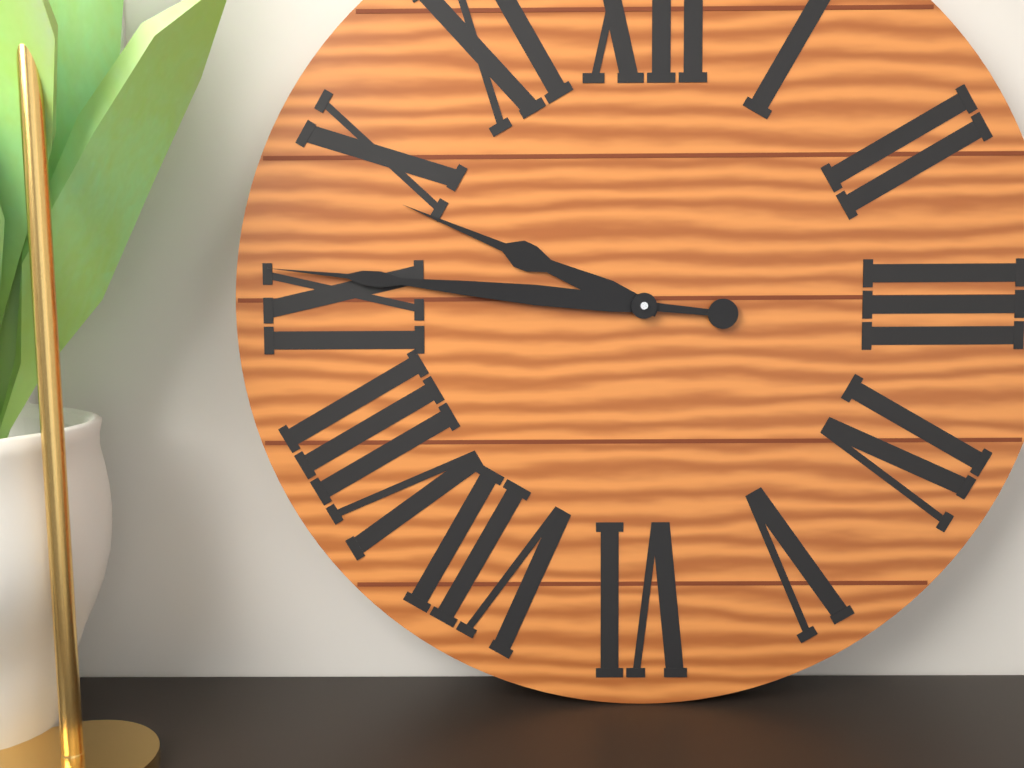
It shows 9 h 46 min
